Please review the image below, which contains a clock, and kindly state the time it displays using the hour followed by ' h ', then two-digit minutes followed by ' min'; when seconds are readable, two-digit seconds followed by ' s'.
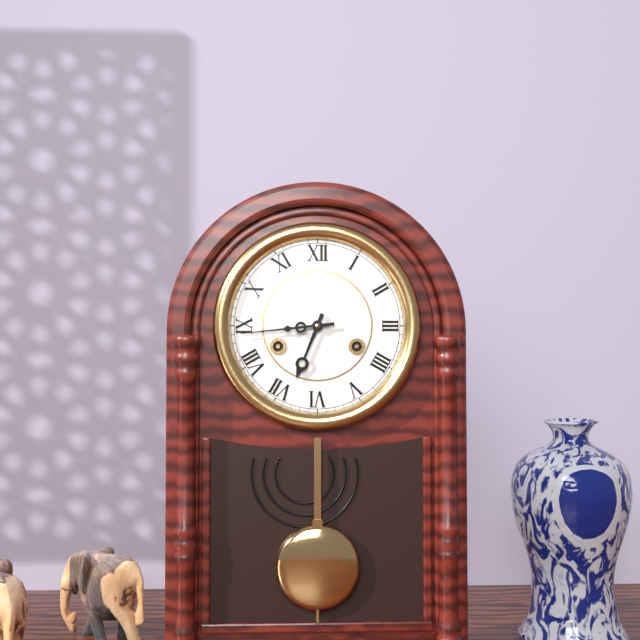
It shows 6 h 44 min
